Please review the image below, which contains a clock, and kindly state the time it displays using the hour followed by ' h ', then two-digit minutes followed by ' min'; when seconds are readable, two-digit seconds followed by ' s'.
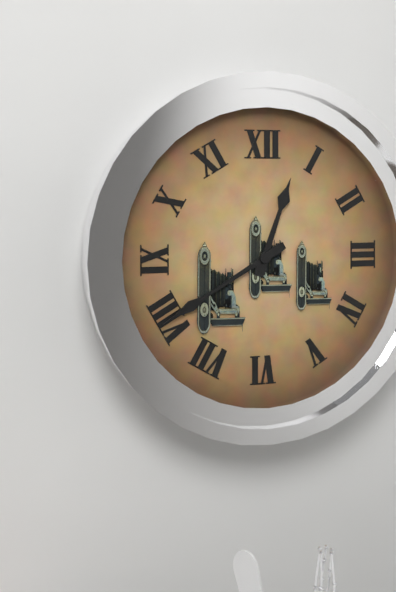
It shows 12 h 40 min
